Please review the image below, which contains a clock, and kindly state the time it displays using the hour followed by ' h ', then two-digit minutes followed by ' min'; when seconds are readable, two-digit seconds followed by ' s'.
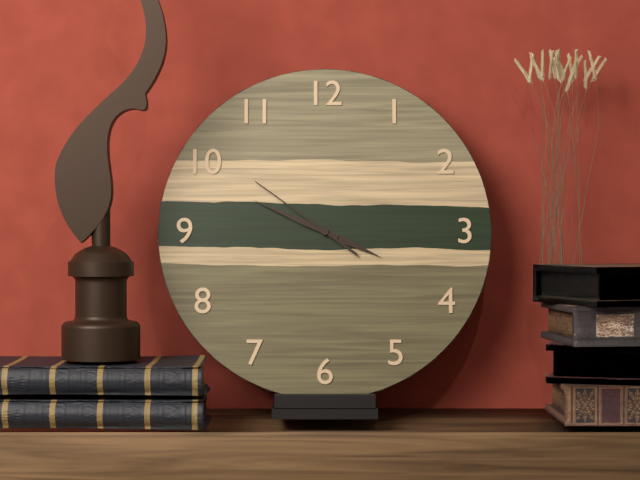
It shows 3 h 49 min 51 s
